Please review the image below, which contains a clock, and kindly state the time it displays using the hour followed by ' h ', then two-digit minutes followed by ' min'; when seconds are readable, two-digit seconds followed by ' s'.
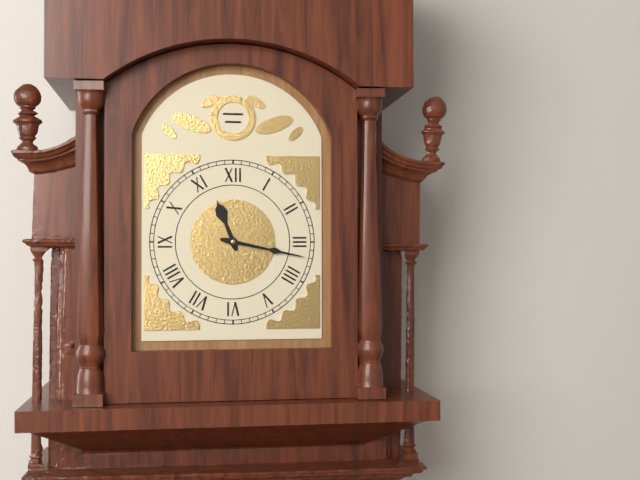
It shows 11 h 17 min
